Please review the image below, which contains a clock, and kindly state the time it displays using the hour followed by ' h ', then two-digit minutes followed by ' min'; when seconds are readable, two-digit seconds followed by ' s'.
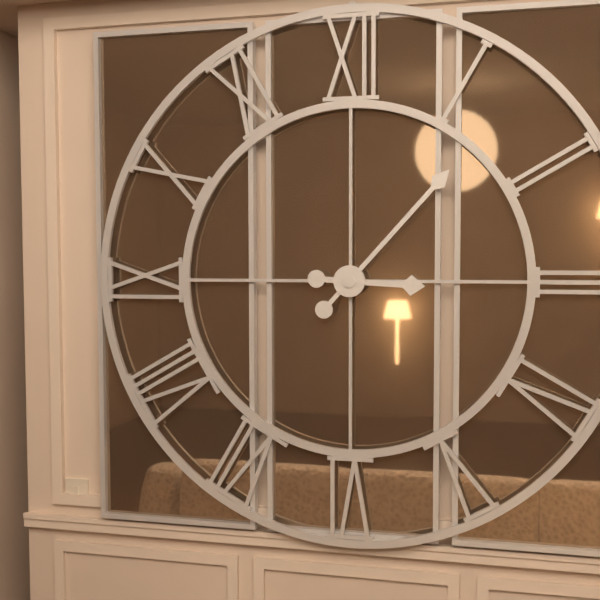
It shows 3 h 07 min
